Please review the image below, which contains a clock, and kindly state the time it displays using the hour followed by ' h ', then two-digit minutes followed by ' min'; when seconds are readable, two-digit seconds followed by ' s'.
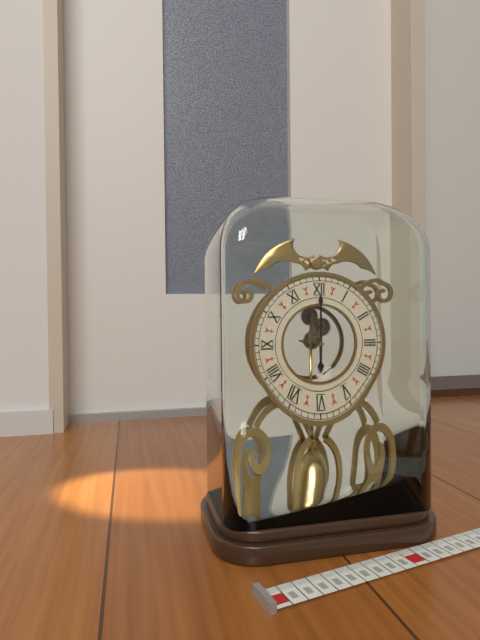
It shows 6 h 00 min
